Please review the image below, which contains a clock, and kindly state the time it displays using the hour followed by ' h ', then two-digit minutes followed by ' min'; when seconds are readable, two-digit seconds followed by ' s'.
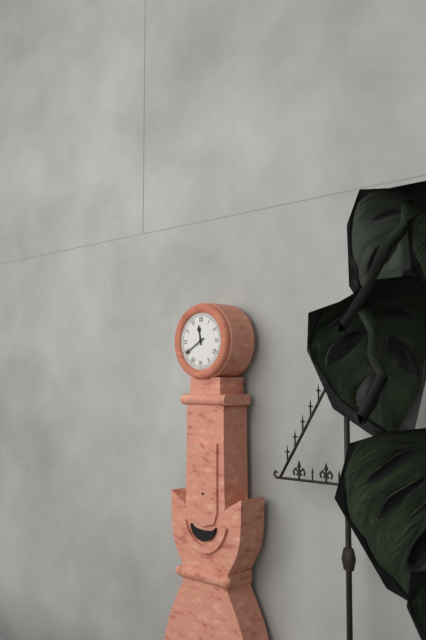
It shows 11 h 40 min
